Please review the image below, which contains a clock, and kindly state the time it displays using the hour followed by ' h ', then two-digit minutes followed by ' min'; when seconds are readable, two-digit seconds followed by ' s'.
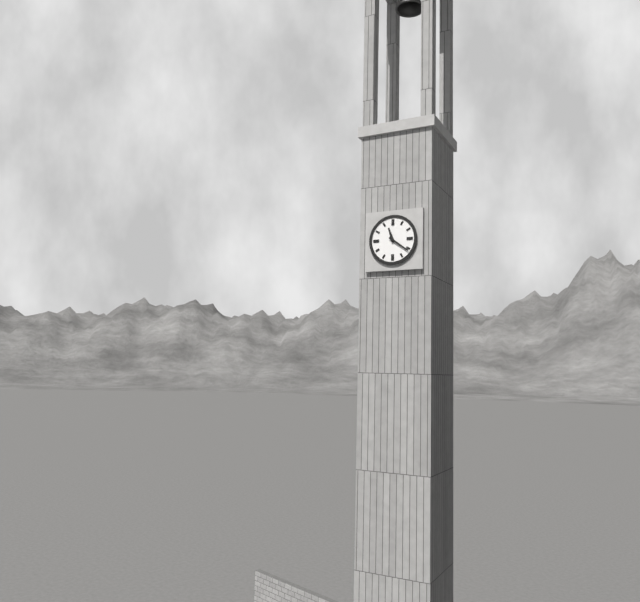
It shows 11 h 21 min
